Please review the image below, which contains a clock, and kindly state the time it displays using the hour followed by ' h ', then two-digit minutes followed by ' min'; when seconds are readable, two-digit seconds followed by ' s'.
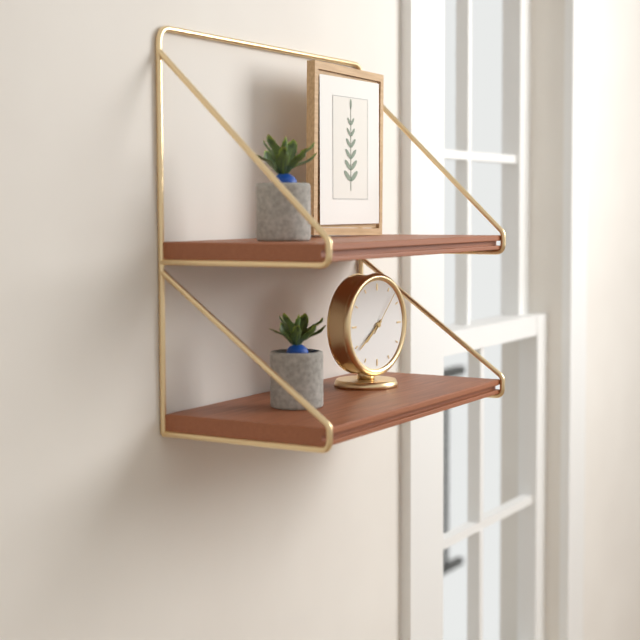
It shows 7 h 39 min
